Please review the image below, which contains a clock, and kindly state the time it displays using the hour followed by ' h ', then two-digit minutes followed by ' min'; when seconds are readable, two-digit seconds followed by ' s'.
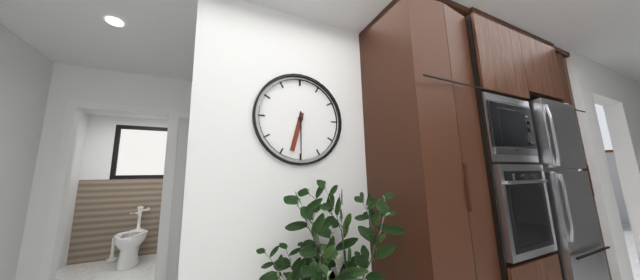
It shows 6 h 30 min
